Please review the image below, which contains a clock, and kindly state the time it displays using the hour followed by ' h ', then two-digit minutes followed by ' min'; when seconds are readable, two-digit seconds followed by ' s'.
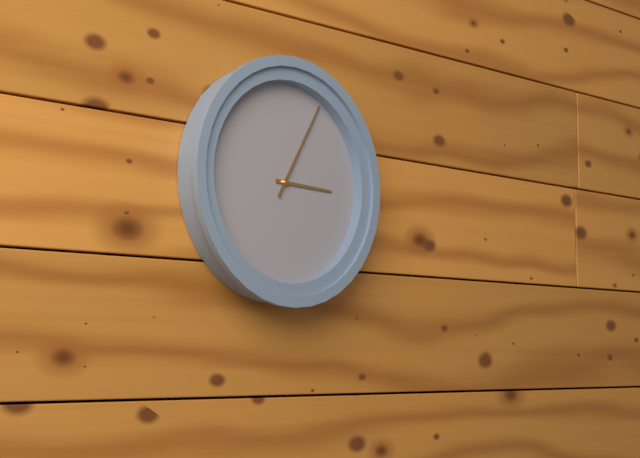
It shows 3 h 05 min
